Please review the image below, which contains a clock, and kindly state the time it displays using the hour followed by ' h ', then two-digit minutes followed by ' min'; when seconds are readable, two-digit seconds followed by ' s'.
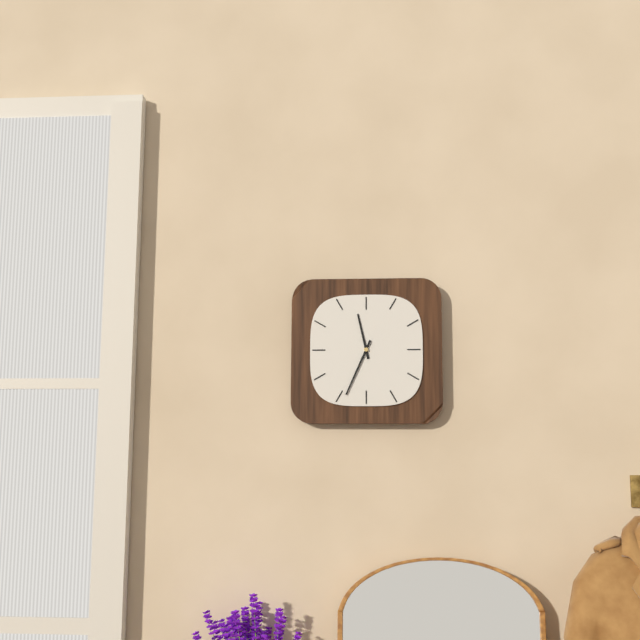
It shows 11 h 34 min
